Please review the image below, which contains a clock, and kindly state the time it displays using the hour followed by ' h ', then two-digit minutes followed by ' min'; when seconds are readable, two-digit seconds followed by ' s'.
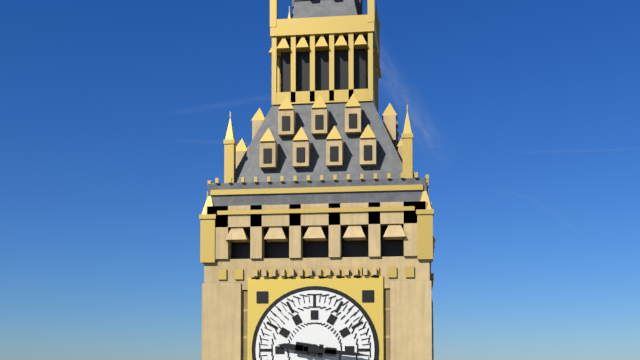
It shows 9 h 16 min
